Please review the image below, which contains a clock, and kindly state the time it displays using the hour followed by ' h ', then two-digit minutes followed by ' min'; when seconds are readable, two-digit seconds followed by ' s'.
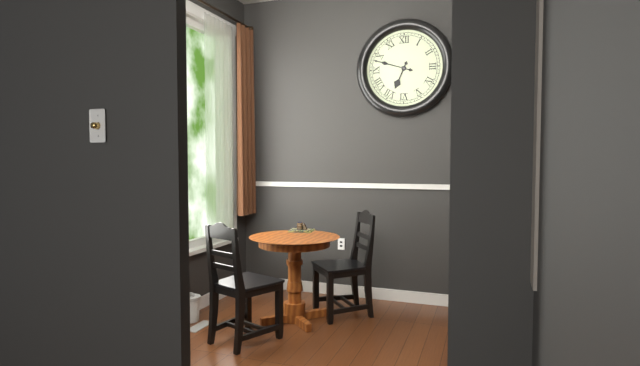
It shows 6 h 48 min
